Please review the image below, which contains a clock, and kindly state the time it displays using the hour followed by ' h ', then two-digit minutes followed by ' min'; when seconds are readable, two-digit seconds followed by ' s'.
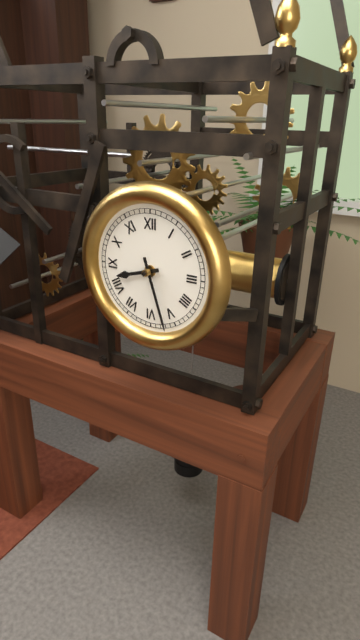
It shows 8 h 27 min
